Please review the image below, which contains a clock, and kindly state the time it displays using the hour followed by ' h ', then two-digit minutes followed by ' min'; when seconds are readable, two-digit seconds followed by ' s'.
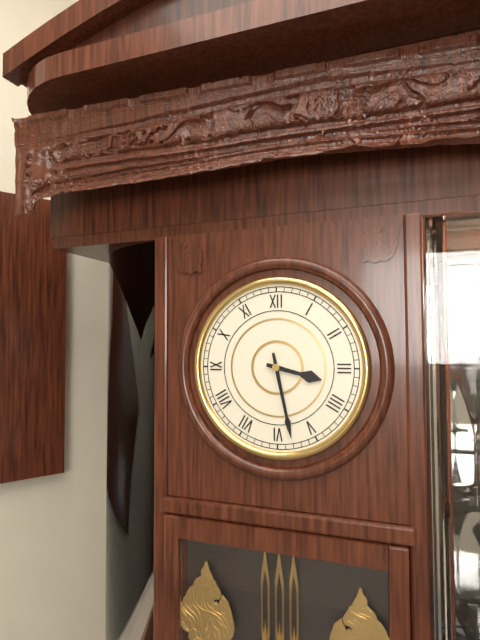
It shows 3 h 28 min
